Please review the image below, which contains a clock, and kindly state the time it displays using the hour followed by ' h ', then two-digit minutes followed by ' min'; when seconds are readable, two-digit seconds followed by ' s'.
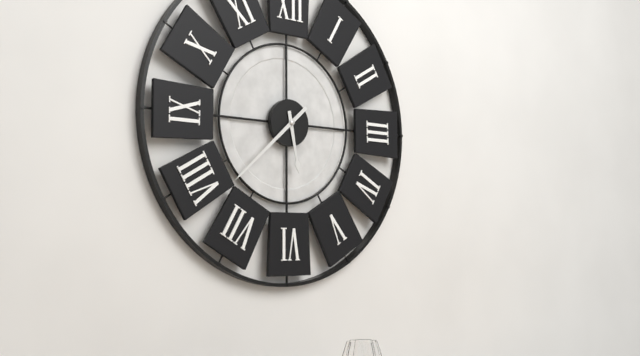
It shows 5 h 38 min
